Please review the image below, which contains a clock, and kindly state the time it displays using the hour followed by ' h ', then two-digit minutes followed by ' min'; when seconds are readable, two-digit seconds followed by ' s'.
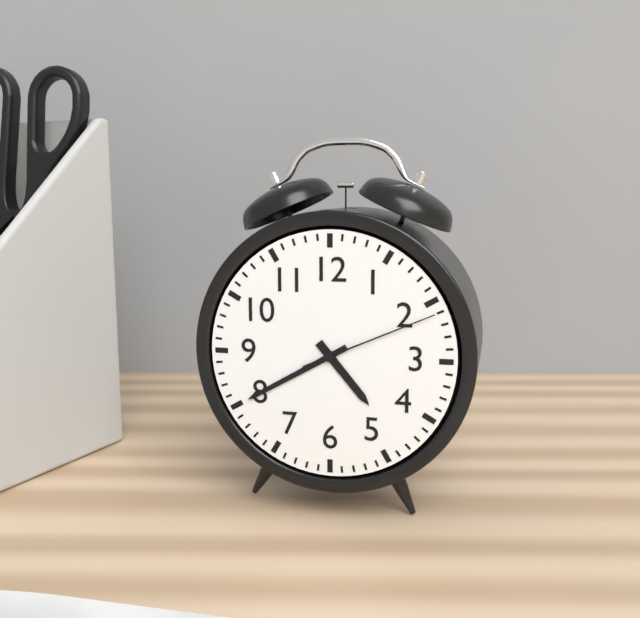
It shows 4 h 40 min 11 s
